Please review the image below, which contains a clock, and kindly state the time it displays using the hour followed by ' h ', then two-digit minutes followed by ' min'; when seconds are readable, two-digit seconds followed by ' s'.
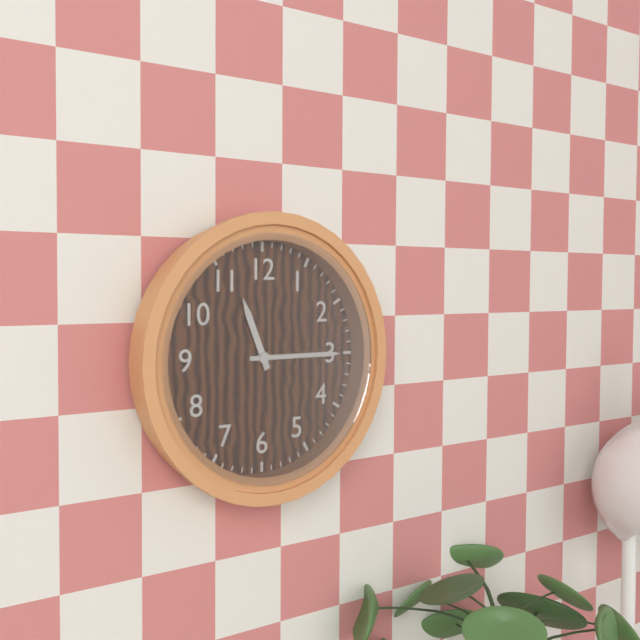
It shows 11 h 15 min
